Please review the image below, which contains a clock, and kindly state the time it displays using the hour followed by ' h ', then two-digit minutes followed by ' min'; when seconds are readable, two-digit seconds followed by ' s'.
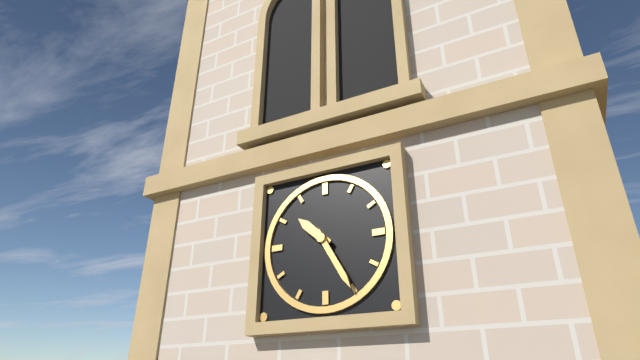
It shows 10 h 25 min
